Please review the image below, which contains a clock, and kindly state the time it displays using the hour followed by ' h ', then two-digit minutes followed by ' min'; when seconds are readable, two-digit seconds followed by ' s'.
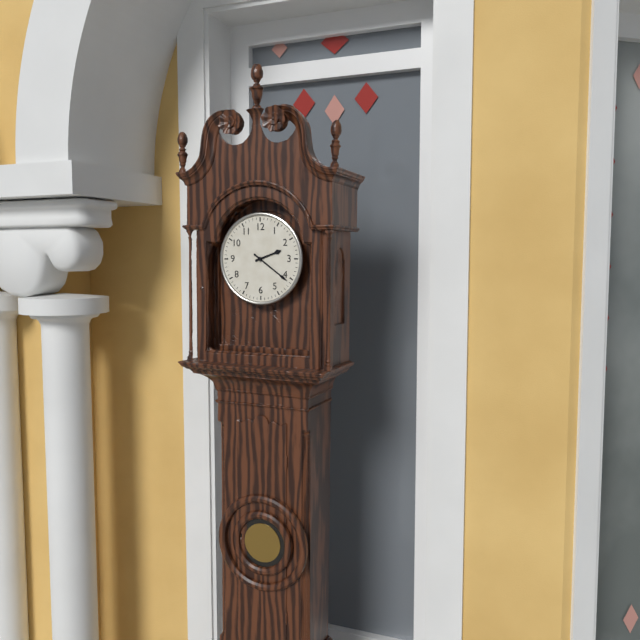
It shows 2 h 21 min
